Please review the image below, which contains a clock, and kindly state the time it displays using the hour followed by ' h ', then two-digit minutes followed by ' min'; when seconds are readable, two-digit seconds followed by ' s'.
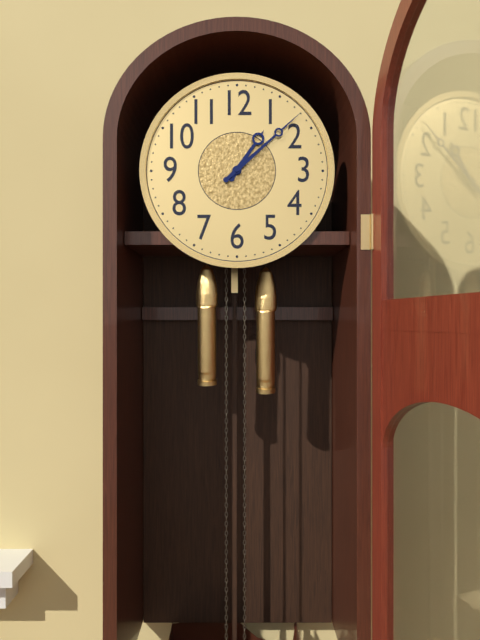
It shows 1 h 08 min
